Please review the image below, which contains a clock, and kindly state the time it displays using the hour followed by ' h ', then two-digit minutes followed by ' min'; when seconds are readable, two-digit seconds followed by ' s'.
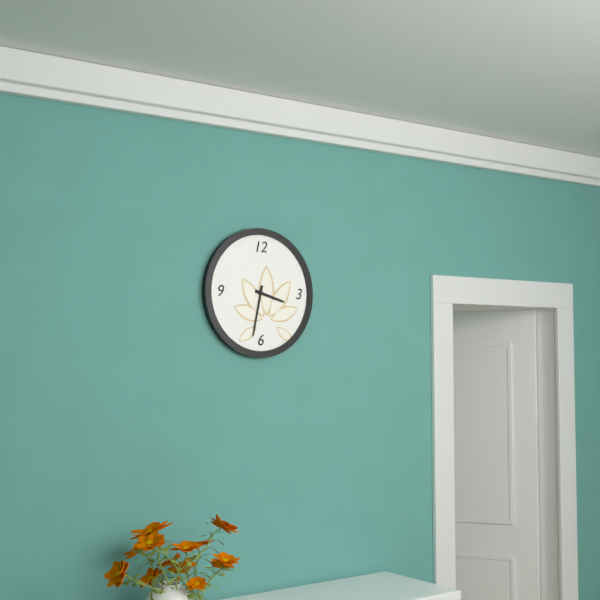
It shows 3 h 32 min
